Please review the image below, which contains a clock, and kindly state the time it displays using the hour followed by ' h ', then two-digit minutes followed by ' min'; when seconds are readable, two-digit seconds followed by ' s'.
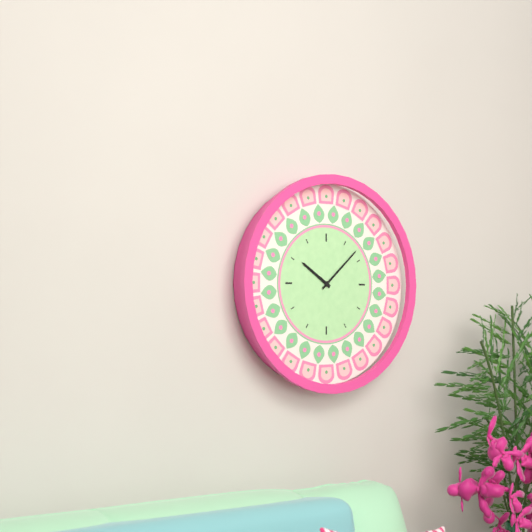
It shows 10 h 08 min
